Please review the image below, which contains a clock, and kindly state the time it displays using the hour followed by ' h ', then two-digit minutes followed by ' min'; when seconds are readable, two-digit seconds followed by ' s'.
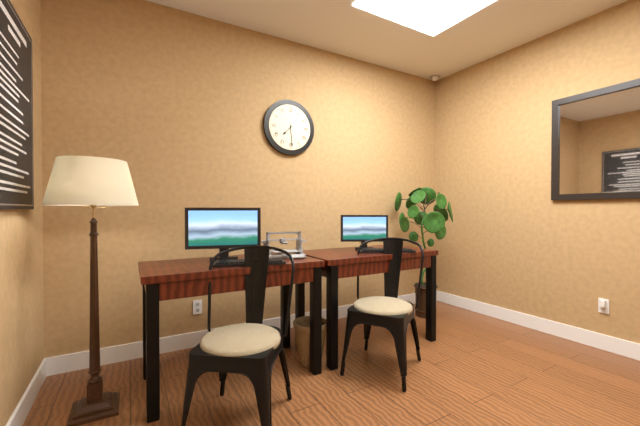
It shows 7 h 29 min
